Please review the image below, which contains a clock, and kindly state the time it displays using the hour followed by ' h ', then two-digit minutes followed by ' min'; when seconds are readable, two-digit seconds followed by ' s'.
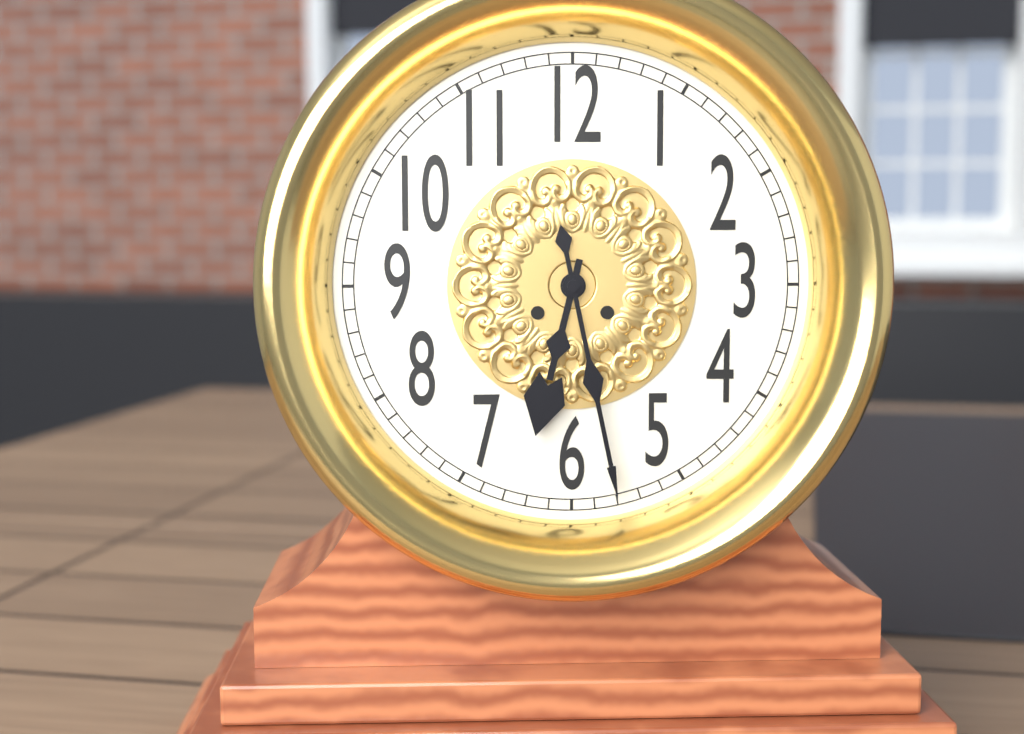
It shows 6 h 28 min
